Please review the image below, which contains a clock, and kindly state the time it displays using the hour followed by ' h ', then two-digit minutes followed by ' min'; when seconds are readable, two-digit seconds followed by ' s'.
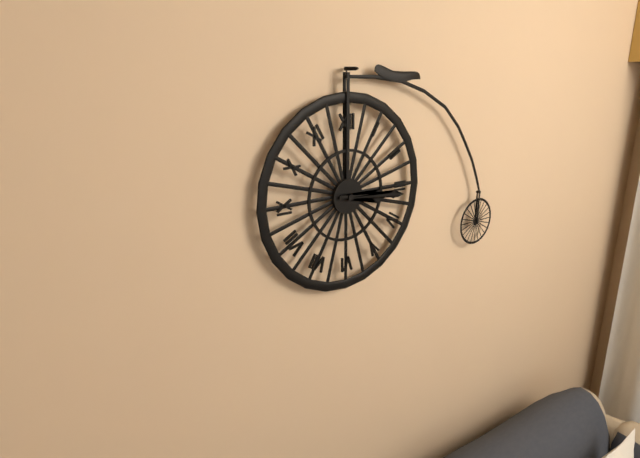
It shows 3 h 16 min
